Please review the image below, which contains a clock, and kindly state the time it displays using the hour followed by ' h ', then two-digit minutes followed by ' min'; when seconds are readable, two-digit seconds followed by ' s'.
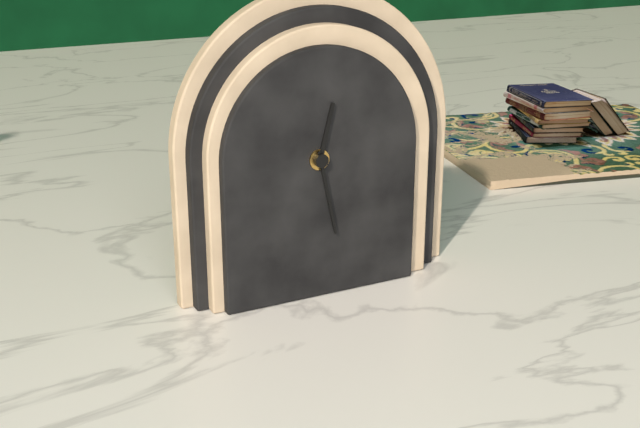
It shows 12 h 28 min
